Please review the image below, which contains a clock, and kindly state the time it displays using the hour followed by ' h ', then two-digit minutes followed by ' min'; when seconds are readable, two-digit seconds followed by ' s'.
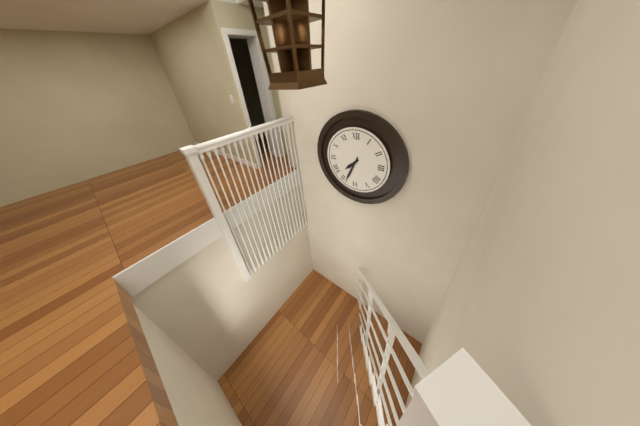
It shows 7 h 34 min
